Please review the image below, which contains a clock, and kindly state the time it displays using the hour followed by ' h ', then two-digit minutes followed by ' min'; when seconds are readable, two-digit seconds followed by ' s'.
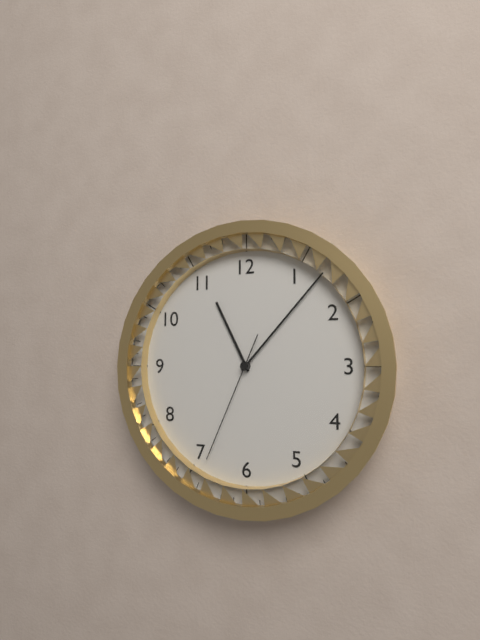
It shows 11 h 07 min 34 s
